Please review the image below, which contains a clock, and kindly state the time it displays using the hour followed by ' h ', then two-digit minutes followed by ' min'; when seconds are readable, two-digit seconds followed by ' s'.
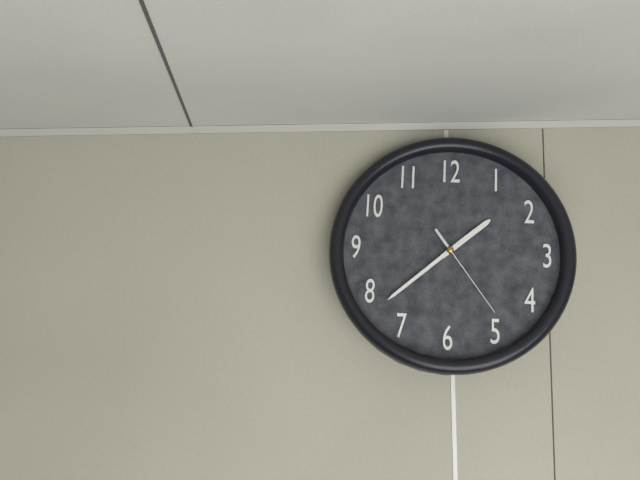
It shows 1 h 38 min 24 s
